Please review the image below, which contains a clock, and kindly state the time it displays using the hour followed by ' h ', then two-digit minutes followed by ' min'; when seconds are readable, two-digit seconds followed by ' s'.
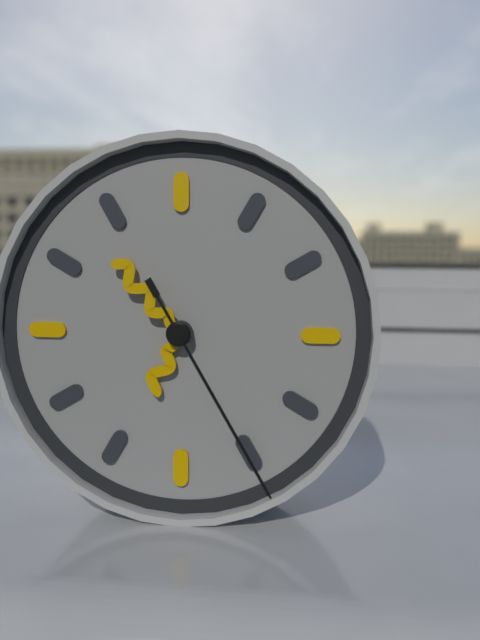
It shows 6 h 53 min 25 s
